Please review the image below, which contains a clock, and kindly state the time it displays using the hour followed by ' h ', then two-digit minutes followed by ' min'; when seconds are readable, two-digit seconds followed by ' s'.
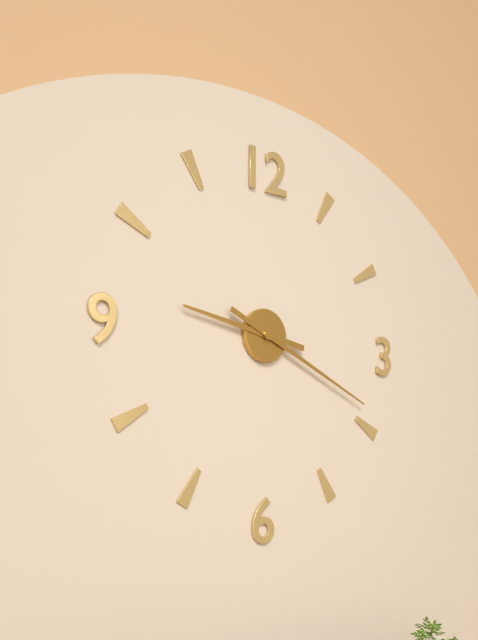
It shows 9 h 19 min
